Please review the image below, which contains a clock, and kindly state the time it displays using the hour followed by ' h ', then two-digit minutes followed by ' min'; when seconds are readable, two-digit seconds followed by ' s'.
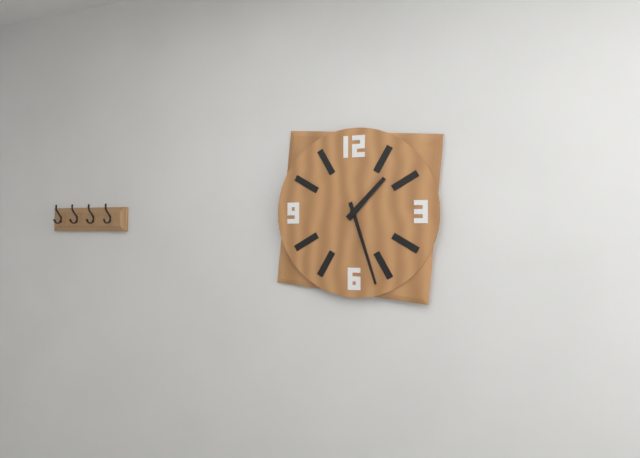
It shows 1 h 27 min
